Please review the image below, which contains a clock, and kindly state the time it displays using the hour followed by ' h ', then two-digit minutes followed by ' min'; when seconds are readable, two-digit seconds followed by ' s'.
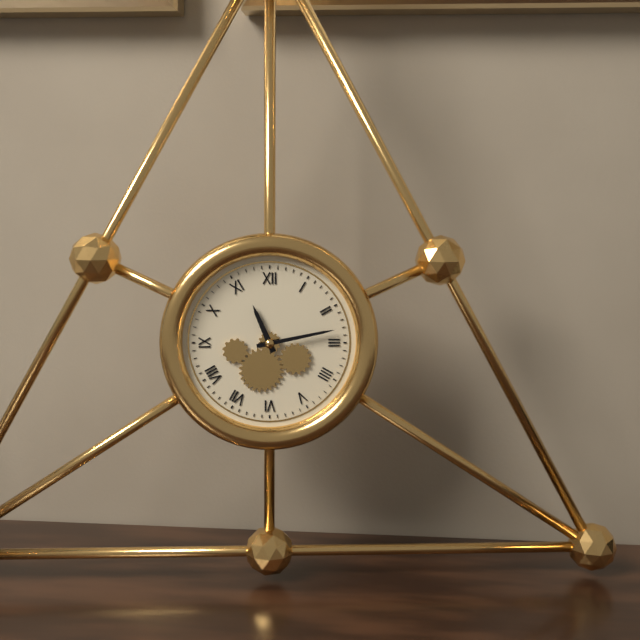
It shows 11 h 13 min
